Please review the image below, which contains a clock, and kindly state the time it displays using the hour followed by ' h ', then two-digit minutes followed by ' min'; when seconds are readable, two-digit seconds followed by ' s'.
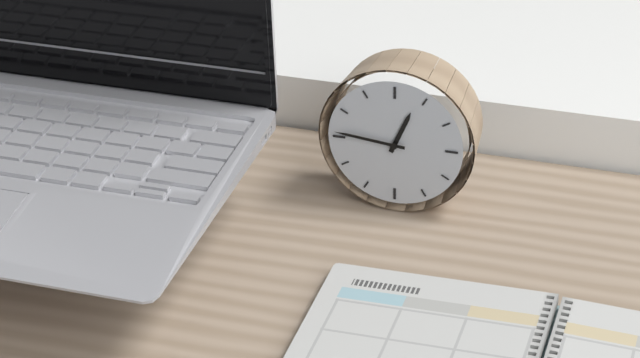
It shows 12 h 46 min
